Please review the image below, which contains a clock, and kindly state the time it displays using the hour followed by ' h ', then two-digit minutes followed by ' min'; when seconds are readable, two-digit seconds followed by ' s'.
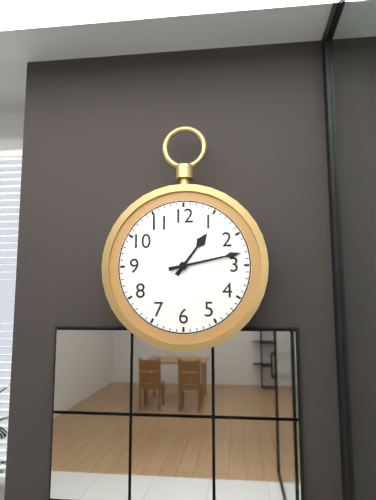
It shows 1 h 13 min
